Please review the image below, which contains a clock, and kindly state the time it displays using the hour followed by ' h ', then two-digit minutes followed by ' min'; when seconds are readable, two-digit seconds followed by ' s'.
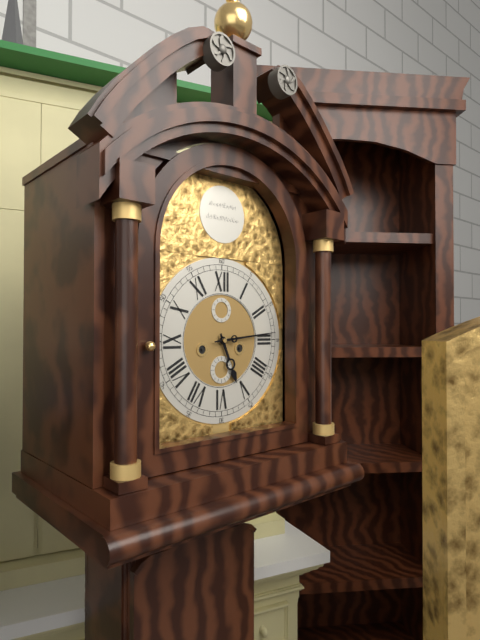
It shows 5 h 14 min
